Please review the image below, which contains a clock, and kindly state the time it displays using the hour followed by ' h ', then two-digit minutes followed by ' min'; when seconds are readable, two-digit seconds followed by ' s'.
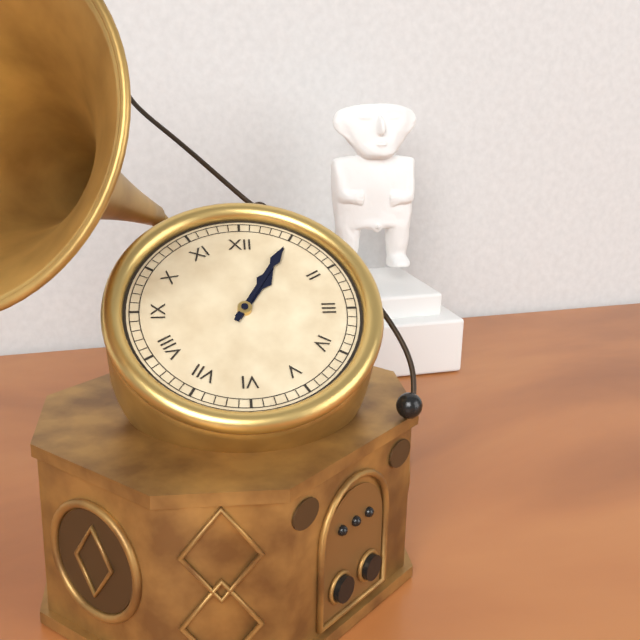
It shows 1 h 05 min
